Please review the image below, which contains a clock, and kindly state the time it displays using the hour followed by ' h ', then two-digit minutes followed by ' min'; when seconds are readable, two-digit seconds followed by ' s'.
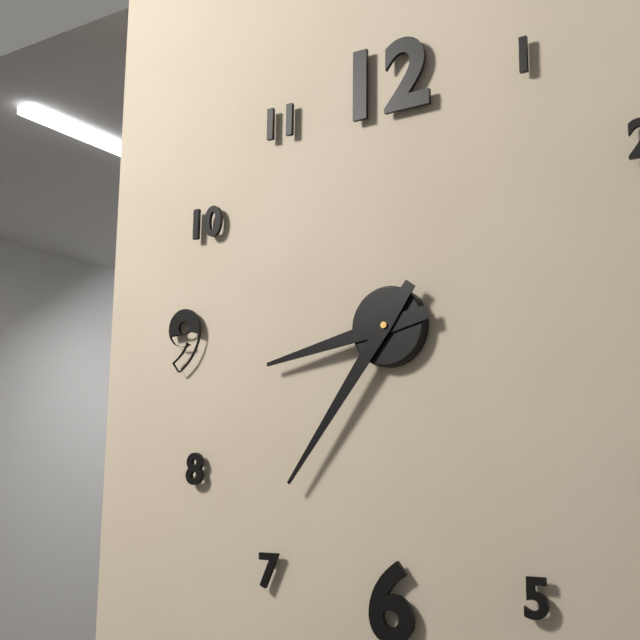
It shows 8 h 36 min
